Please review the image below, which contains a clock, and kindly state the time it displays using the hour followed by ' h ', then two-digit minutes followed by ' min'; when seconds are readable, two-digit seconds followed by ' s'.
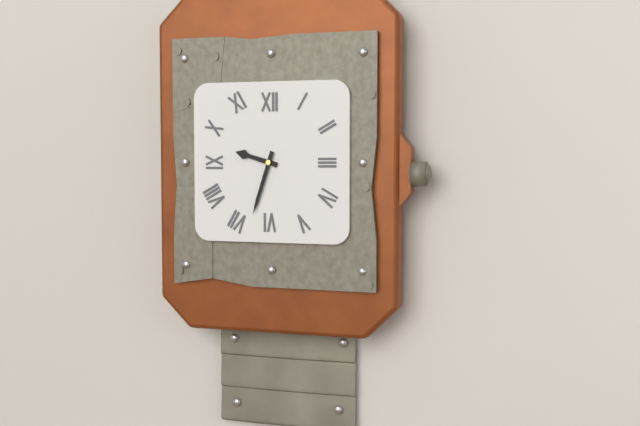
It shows 9 h 33 min
